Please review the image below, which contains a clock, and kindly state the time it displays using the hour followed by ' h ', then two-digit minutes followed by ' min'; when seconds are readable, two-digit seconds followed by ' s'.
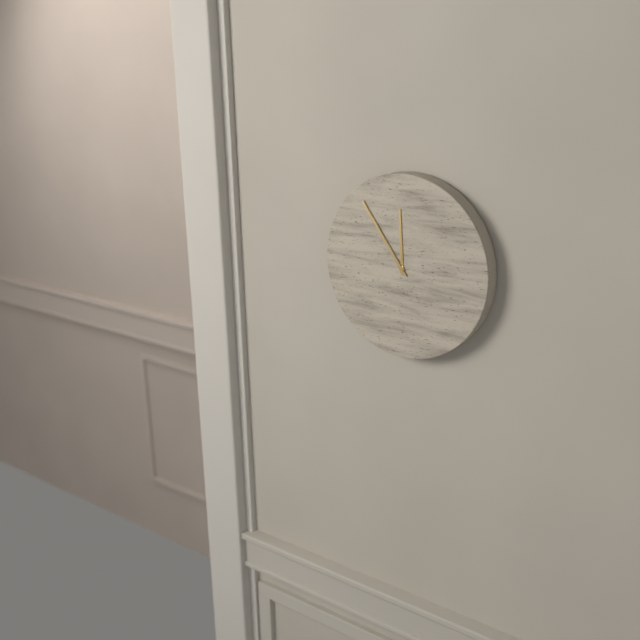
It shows 11 h 54 min
